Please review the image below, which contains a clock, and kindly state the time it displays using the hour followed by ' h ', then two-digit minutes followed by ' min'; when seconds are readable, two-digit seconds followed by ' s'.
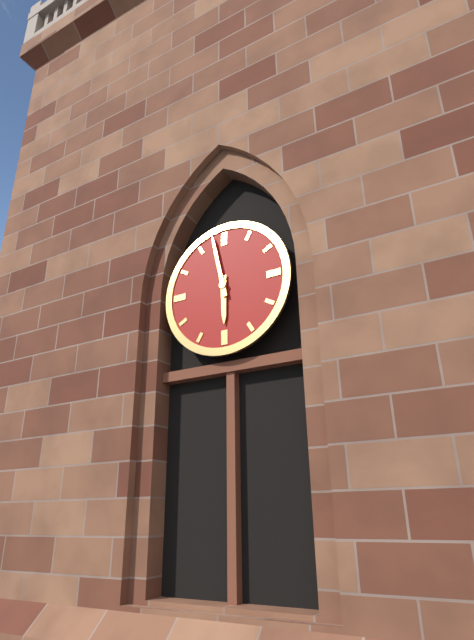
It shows 5 h 58 min
